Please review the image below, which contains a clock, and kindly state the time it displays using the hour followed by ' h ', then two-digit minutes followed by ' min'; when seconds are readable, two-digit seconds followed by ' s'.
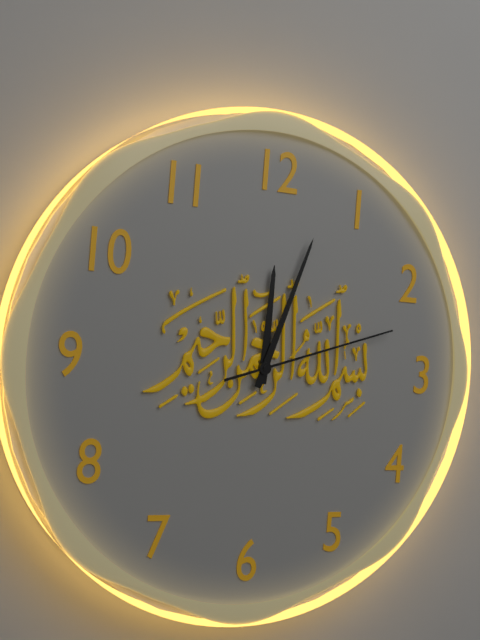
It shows 12 h 03 min 12 s
